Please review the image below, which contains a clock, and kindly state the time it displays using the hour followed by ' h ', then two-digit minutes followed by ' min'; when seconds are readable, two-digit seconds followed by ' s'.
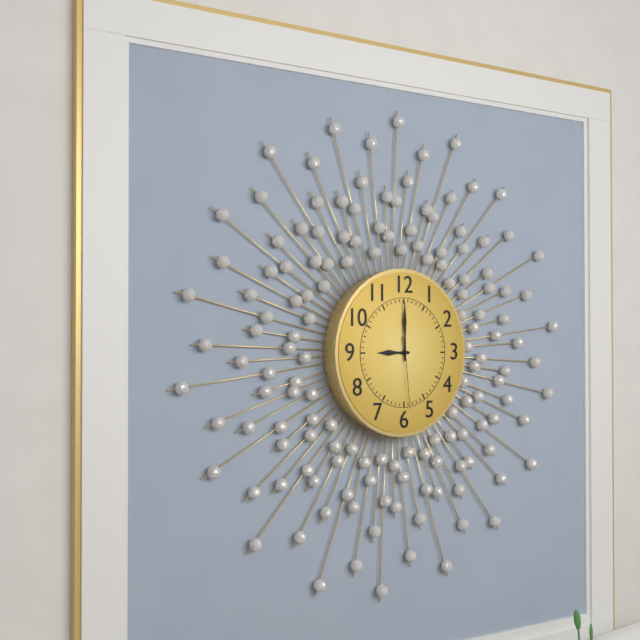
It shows 9 h 00 min 29 s
